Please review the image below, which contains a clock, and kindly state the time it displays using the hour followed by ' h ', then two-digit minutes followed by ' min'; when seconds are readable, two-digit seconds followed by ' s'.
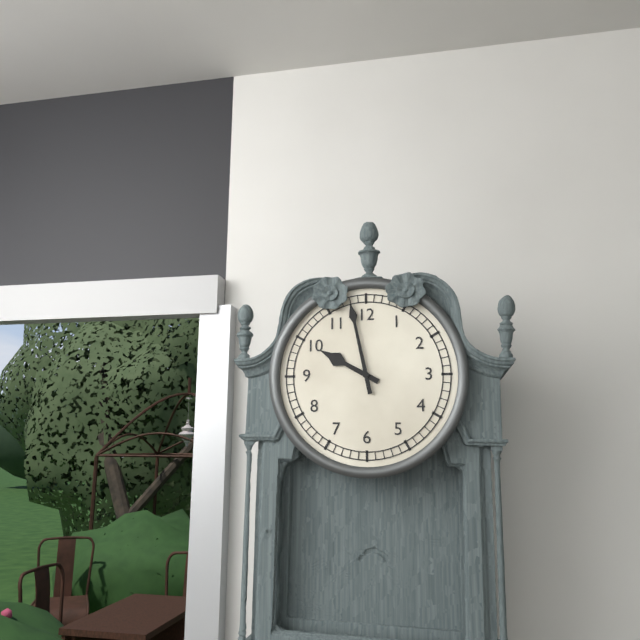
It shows 9 h 58 min
